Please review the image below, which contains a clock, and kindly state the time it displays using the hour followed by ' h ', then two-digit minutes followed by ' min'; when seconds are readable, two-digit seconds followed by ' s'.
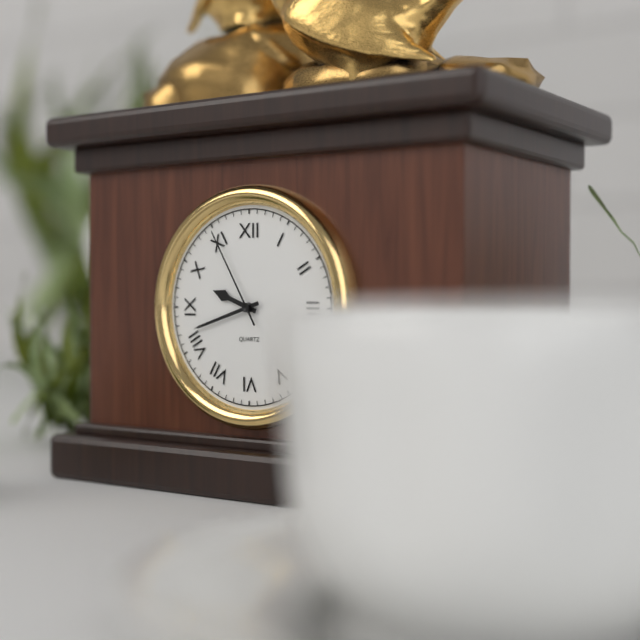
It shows 9 h 42 min 55 s
